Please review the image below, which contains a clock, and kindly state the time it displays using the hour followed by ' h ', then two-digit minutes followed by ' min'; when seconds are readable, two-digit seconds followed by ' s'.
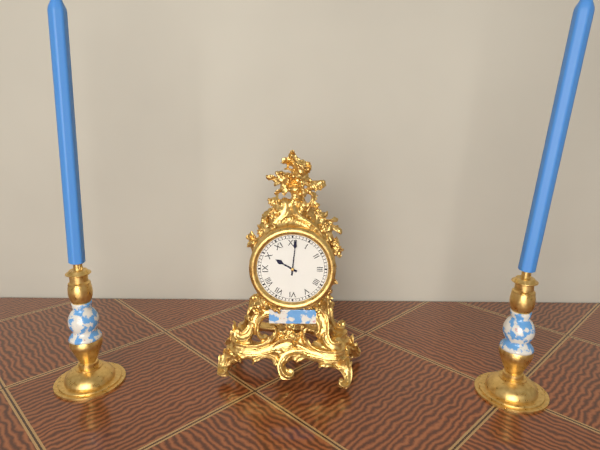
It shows 10 h 01 min
